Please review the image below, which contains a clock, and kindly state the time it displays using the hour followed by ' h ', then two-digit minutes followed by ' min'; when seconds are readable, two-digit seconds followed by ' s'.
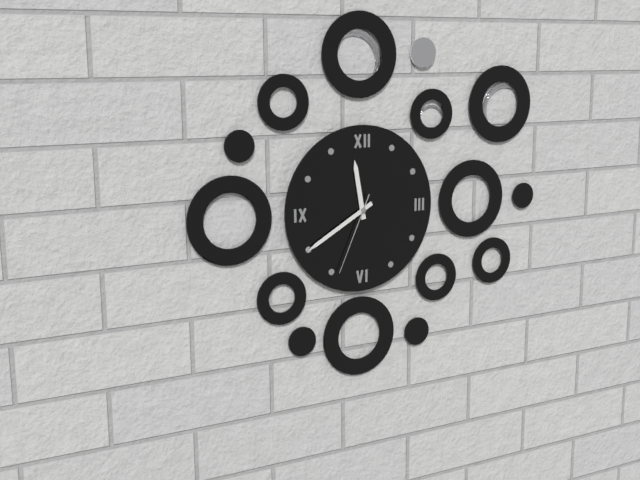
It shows 11 h 40 min 34 s
